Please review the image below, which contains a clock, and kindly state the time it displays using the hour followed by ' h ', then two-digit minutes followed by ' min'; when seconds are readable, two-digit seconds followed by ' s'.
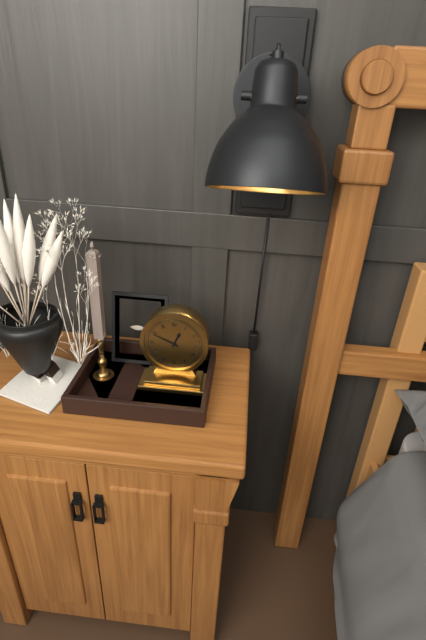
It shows 12 h 49 min
